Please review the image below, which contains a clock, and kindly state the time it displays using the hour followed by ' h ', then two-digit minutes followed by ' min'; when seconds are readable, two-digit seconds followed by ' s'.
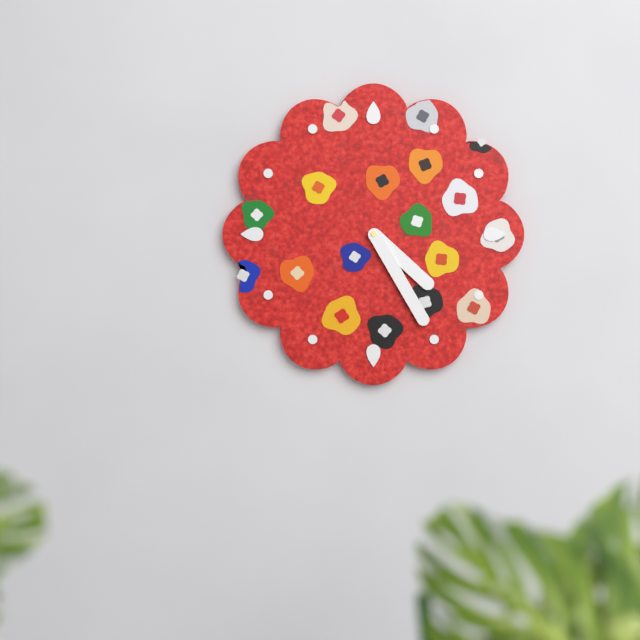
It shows 4 h 25 min
